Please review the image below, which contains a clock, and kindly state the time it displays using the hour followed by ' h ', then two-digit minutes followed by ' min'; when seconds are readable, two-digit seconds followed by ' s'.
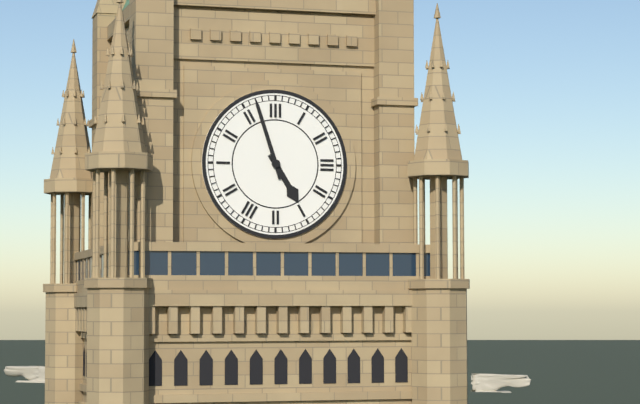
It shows 4 h 57 min
